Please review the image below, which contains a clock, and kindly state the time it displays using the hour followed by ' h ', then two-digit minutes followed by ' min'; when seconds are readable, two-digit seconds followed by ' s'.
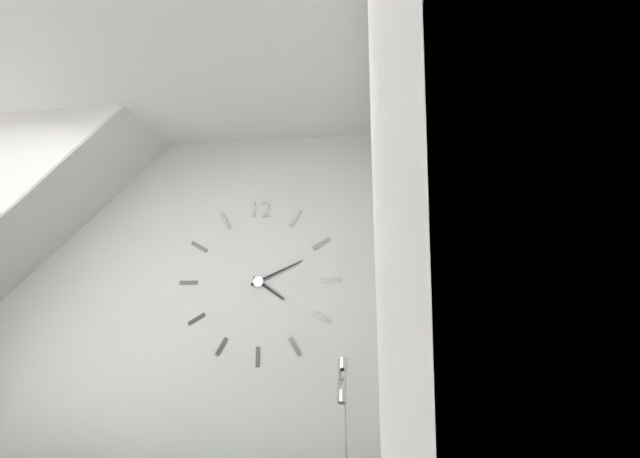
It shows 4 h 11 min
